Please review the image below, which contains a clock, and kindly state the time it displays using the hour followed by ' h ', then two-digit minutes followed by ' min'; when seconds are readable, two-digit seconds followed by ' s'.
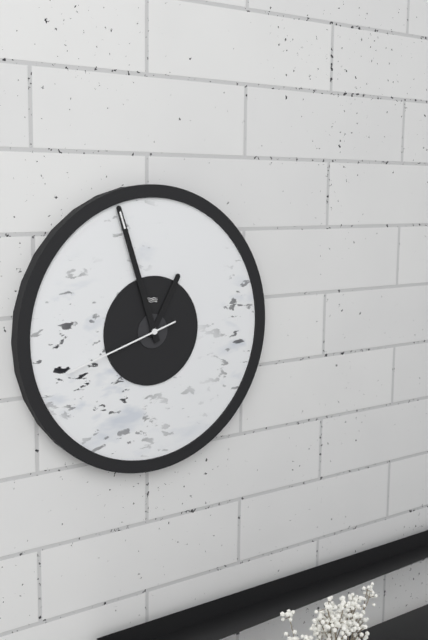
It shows 12 h 57 min 42 s
